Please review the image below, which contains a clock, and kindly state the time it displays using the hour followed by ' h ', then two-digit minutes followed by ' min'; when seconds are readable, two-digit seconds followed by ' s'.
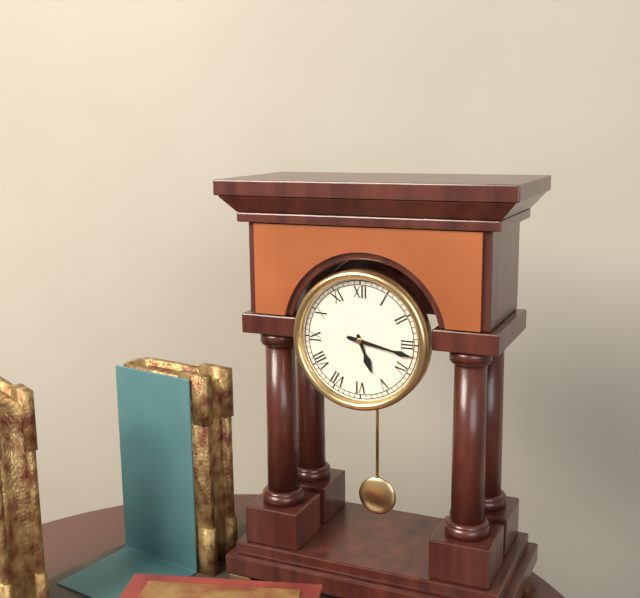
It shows 5 h 17 min
